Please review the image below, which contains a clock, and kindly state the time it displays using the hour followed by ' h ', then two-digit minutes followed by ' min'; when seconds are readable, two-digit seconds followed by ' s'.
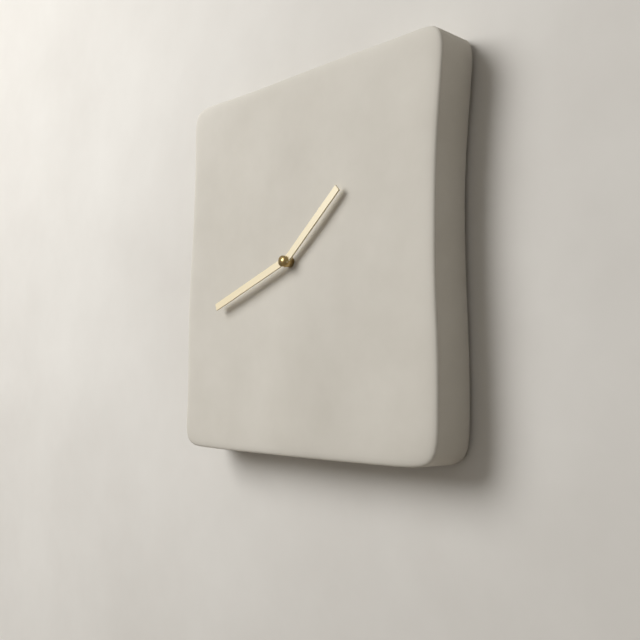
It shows 1 h 42 min
